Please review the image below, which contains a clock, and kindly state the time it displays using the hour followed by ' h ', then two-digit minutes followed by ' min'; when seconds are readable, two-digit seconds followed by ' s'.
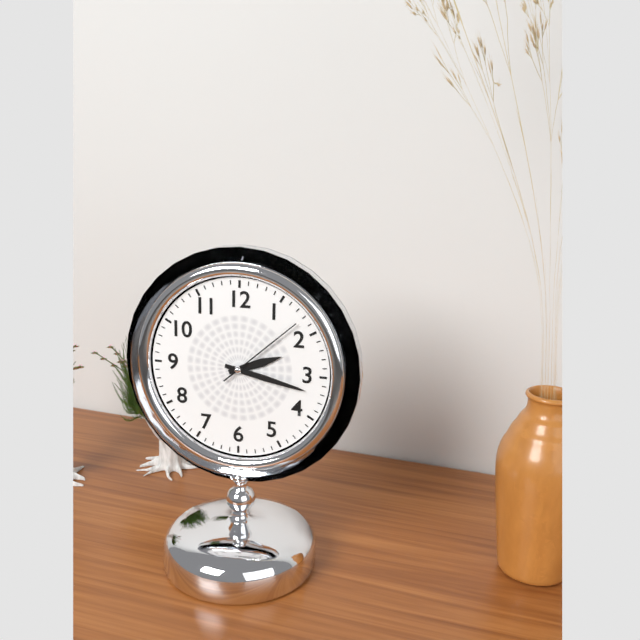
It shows 2 h 17 min 08 s
